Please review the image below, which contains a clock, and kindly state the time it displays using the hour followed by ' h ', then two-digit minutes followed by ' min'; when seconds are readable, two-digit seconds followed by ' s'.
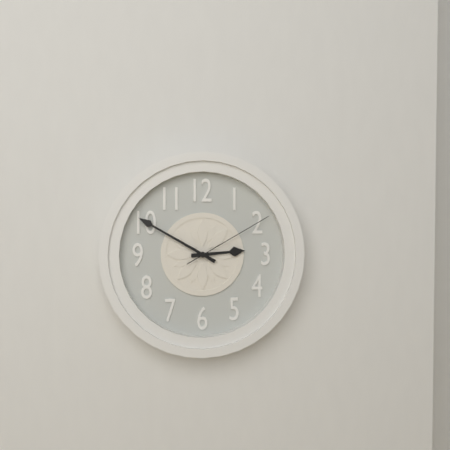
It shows 2 h 50 min 10 s
